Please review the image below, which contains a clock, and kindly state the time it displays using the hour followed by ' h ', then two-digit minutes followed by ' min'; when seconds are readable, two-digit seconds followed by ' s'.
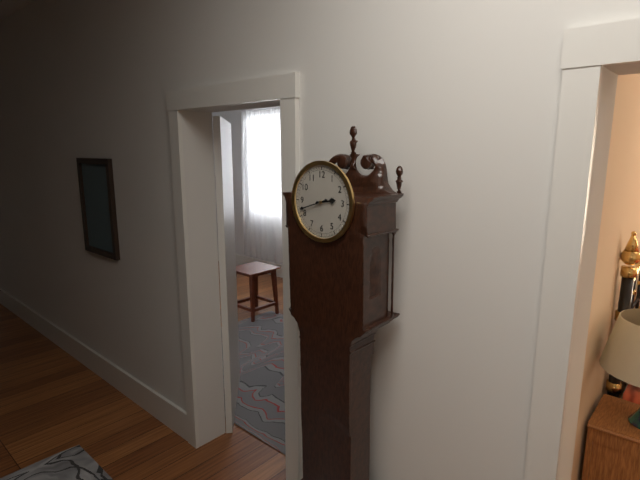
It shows 2 h 42 min
